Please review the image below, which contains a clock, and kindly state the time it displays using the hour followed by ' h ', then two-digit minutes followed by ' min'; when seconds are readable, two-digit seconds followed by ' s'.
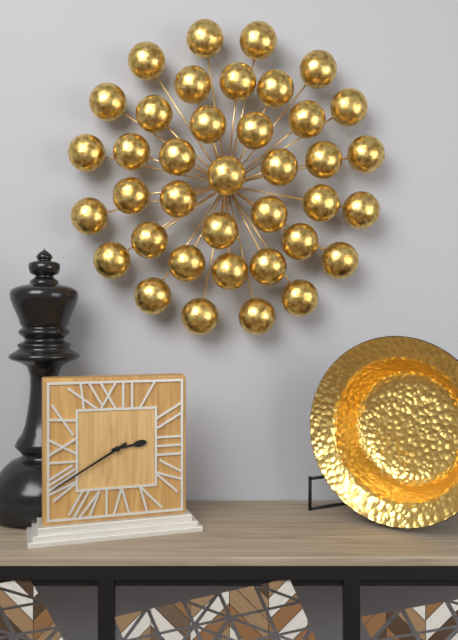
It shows 2 h 40 min
